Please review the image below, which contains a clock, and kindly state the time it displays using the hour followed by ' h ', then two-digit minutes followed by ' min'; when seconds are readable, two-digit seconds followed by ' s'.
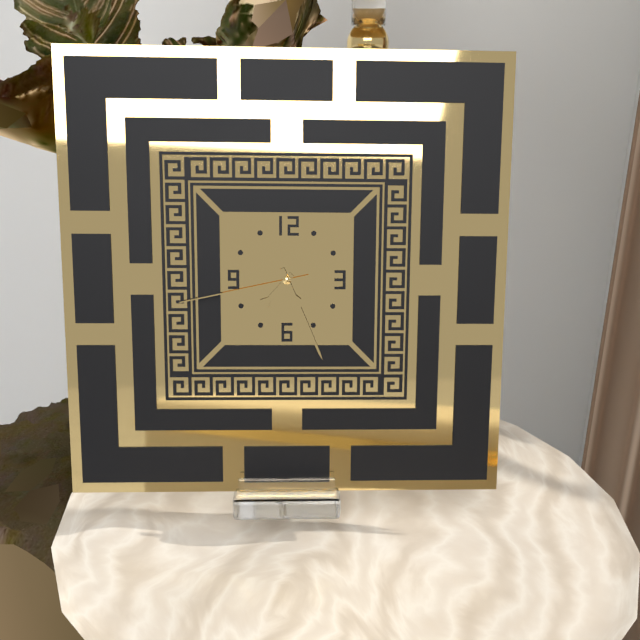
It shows 7 h 26 min 43 s
